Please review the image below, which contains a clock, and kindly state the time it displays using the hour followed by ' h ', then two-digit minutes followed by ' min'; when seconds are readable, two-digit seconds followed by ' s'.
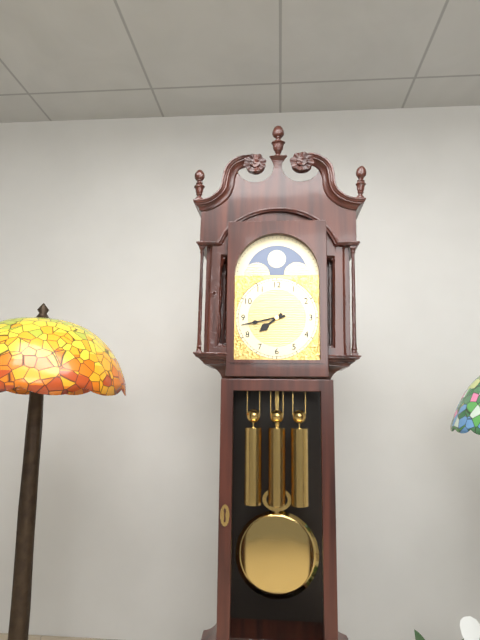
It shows 7 h 43 min
